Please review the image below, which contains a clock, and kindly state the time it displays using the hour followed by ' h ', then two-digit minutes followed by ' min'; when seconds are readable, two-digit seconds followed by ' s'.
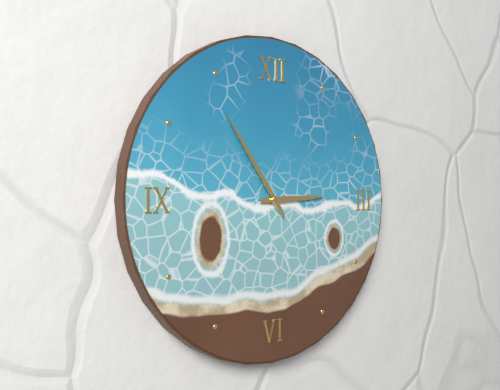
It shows 2 h 54 min
